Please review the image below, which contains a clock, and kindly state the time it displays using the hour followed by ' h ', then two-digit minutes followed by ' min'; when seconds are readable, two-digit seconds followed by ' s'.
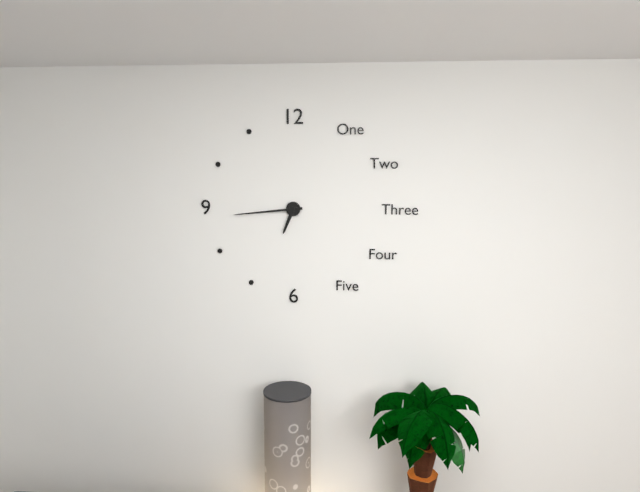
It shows 6 h 44 min
